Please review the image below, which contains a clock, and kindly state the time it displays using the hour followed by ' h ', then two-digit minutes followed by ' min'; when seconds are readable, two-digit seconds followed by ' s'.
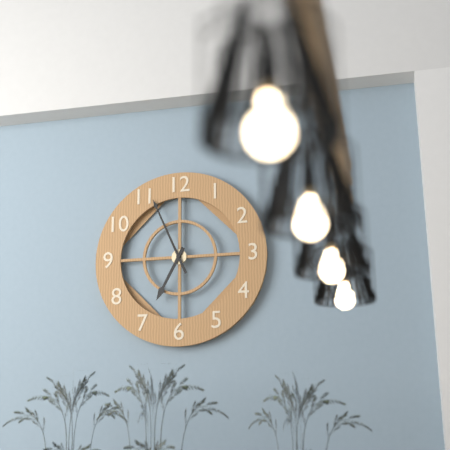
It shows 6 h 56 min
